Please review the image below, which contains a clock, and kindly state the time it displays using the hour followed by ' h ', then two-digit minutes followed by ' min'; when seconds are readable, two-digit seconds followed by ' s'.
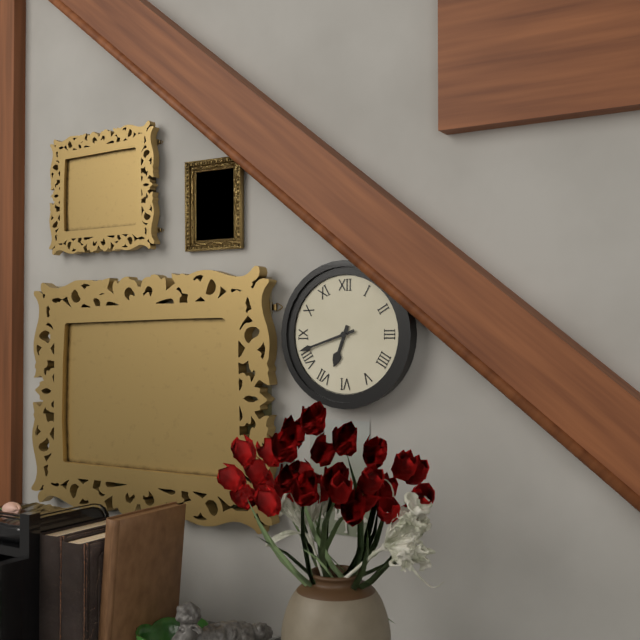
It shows 6 h 42 min
